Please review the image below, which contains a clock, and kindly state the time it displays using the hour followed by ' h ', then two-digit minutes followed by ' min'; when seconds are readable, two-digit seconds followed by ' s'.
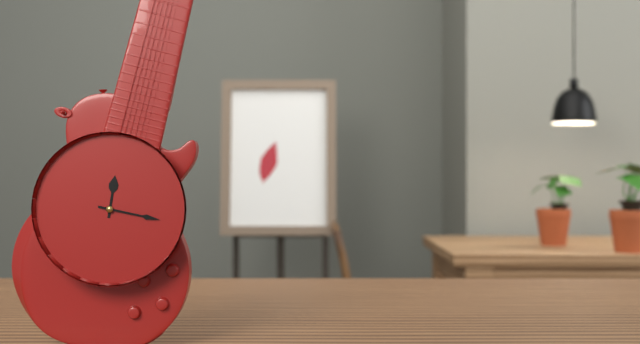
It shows 12 h 17 min
